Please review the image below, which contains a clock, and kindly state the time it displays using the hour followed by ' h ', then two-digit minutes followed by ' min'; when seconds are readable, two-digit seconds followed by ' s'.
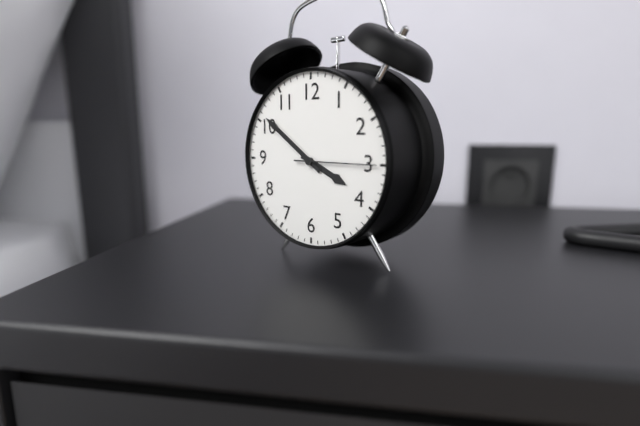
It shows 3 h 51 min 15 s
